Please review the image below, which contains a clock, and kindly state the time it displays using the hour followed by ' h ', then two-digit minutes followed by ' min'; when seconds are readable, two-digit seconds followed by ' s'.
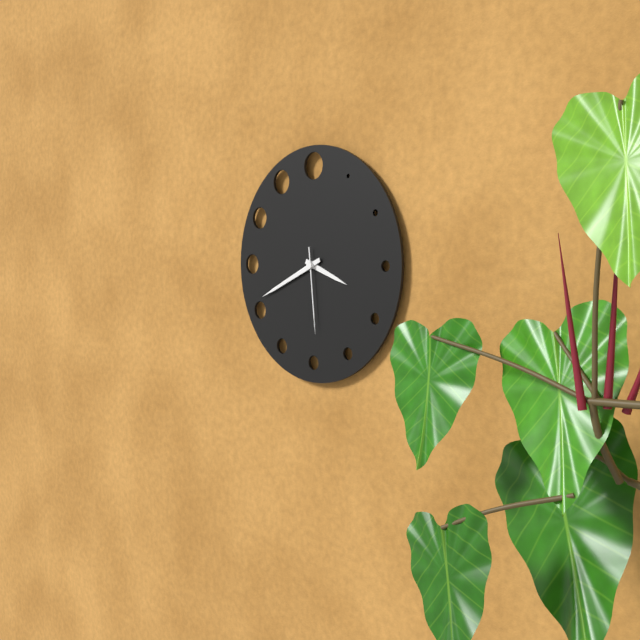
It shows 3 h 41 min 29 s
